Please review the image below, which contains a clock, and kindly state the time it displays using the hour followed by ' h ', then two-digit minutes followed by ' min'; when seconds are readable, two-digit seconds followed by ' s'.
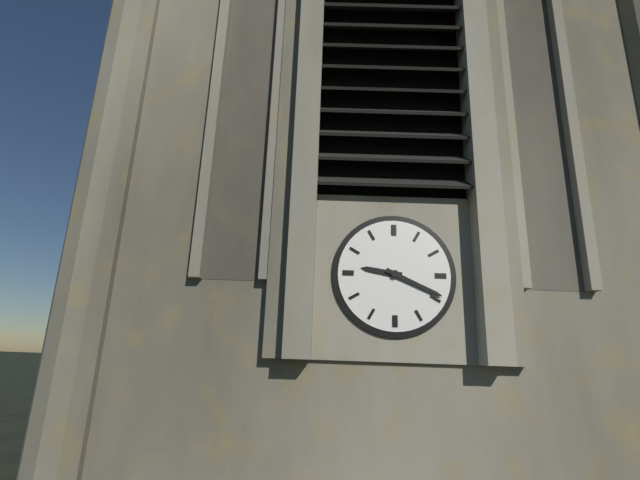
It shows 9 h 19 min
